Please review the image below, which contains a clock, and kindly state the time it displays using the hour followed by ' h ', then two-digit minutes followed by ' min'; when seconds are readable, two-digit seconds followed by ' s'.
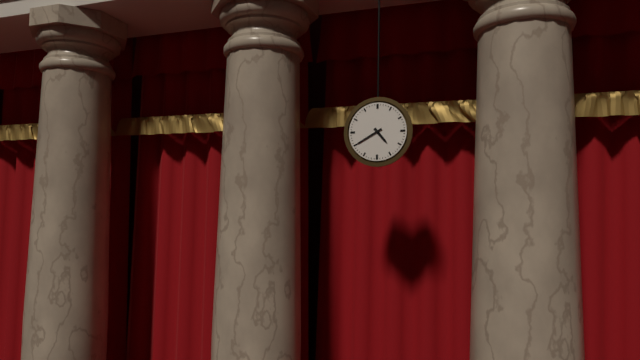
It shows 4 h 40 min
